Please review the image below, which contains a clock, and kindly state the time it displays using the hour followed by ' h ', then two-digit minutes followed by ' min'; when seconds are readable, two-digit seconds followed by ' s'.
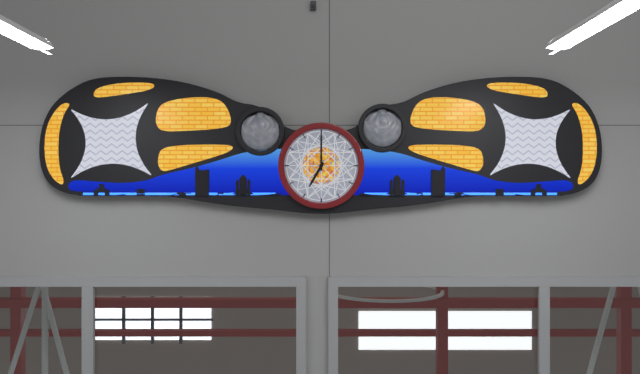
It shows 7 h 00 min
